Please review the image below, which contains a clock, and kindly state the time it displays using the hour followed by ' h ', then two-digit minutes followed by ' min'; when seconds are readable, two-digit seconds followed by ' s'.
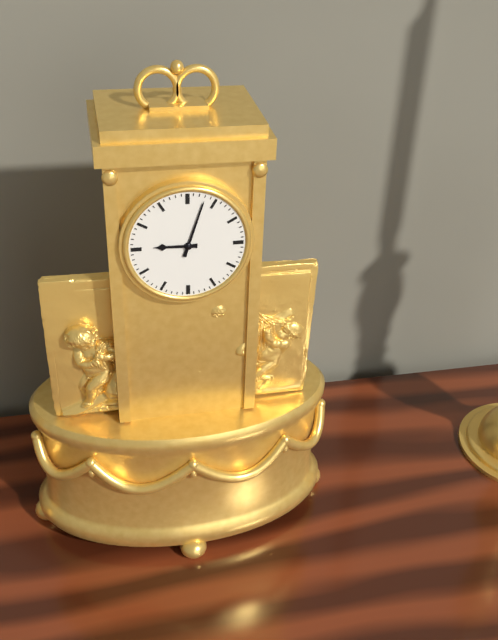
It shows 9 h 03 min
